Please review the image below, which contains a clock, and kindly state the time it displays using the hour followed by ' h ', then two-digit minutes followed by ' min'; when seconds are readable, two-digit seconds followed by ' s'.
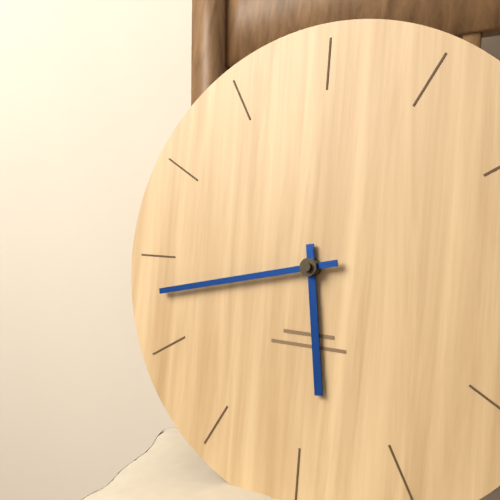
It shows 5 h 43 min
